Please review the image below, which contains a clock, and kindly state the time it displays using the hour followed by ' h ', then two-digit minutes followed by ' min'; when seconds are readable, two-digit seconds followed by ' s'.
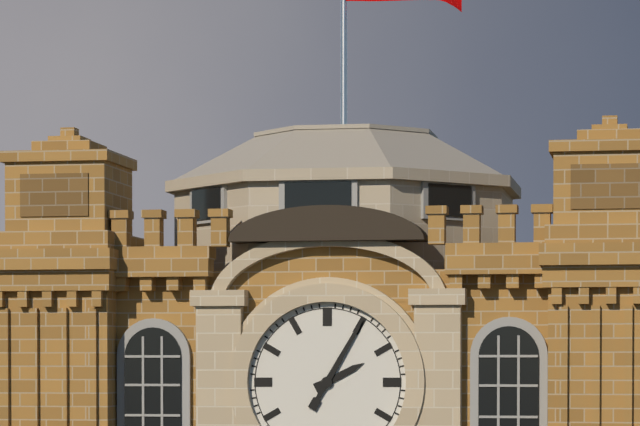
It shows 2 h 05 min
